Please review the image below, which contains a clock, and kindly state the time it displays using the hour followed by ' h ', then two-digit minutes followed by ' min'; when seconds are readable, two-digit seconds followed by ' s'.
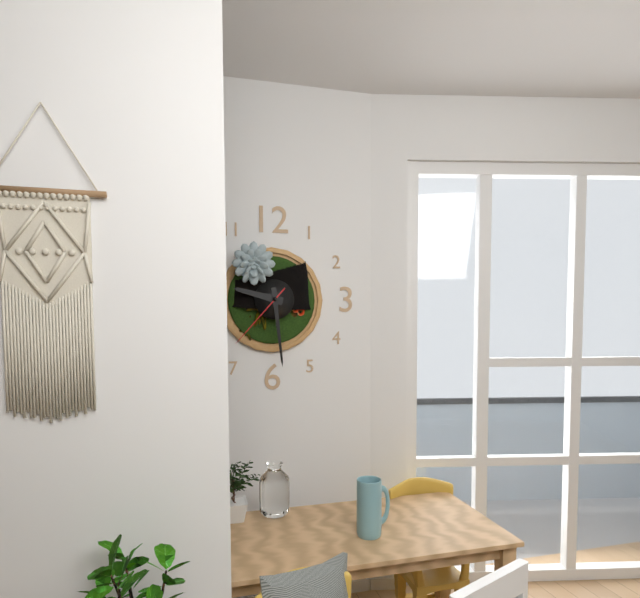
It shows 9 h 29 min 37 s
